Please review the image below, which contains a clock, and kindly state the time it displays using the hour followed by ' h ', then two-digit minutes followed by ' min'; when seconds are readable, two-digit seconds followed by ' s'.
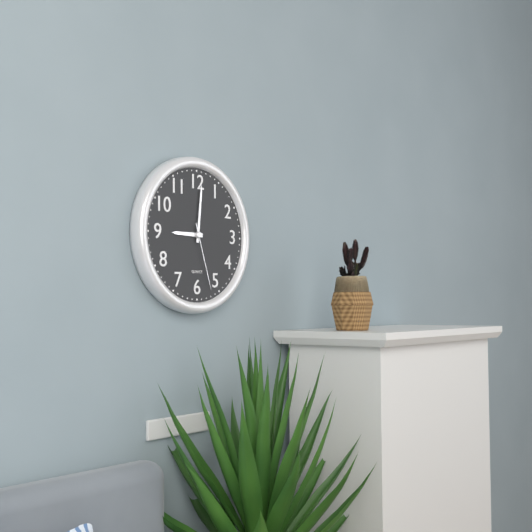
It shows 9 h 01 min 27 s
